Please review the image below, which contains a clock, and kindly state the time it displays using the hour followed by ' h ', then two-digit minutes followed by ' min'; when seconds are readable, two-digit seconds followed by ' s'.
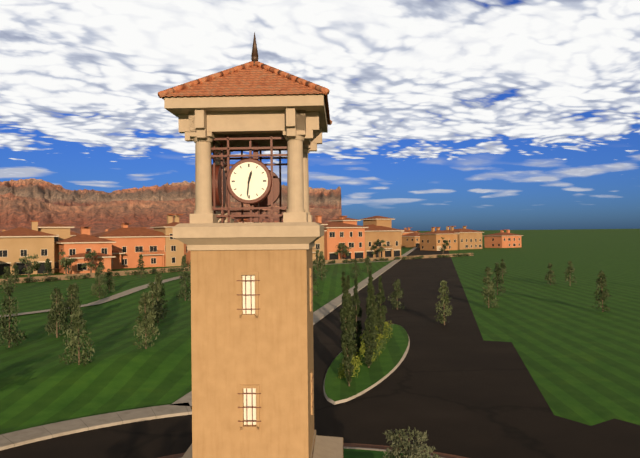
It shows 12 h 31 min
